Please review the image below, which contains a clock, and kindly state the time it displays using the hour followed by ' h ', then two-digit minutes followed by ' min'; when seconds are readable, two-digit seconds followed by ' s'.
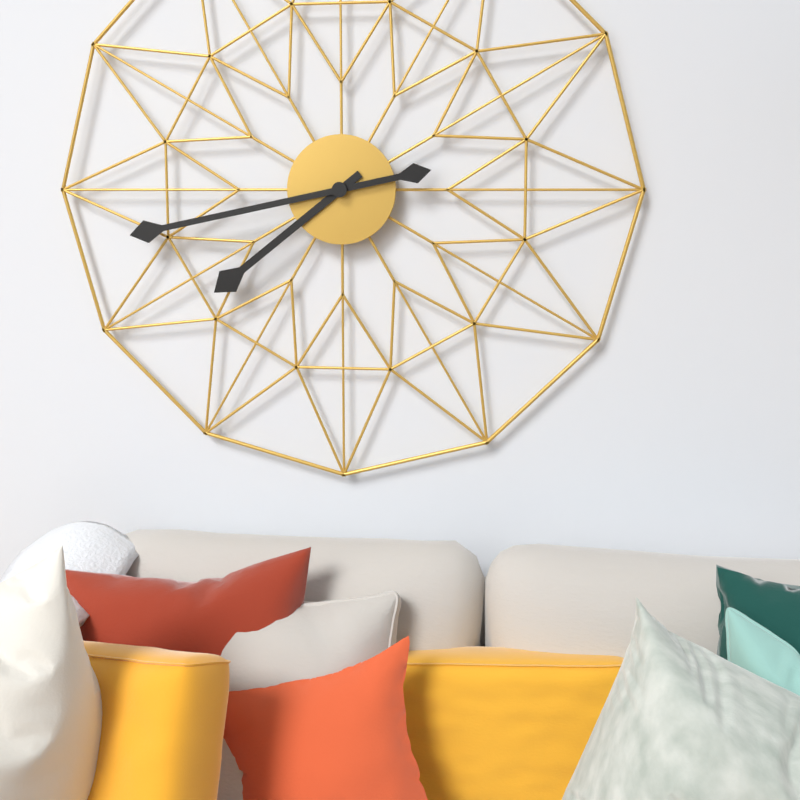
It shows 7 h 43 min
